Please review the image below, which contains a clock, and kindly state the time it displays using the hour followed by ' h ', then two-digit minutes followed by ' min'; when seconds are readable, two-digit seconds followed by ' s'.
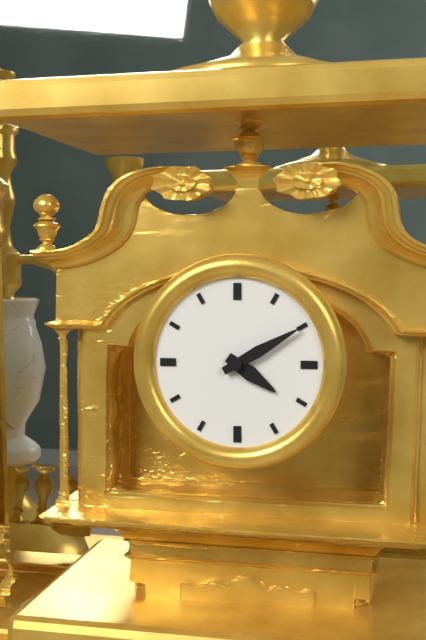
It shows 4 h 10 min
